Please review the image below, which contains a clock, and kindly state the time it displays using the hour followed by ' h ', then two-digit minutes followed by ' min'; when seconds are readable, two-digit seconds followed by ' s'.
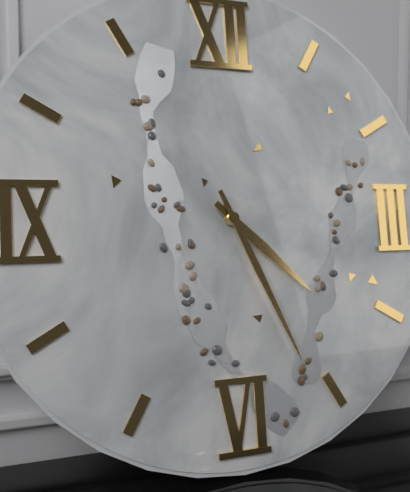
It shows 4 h 26 min
